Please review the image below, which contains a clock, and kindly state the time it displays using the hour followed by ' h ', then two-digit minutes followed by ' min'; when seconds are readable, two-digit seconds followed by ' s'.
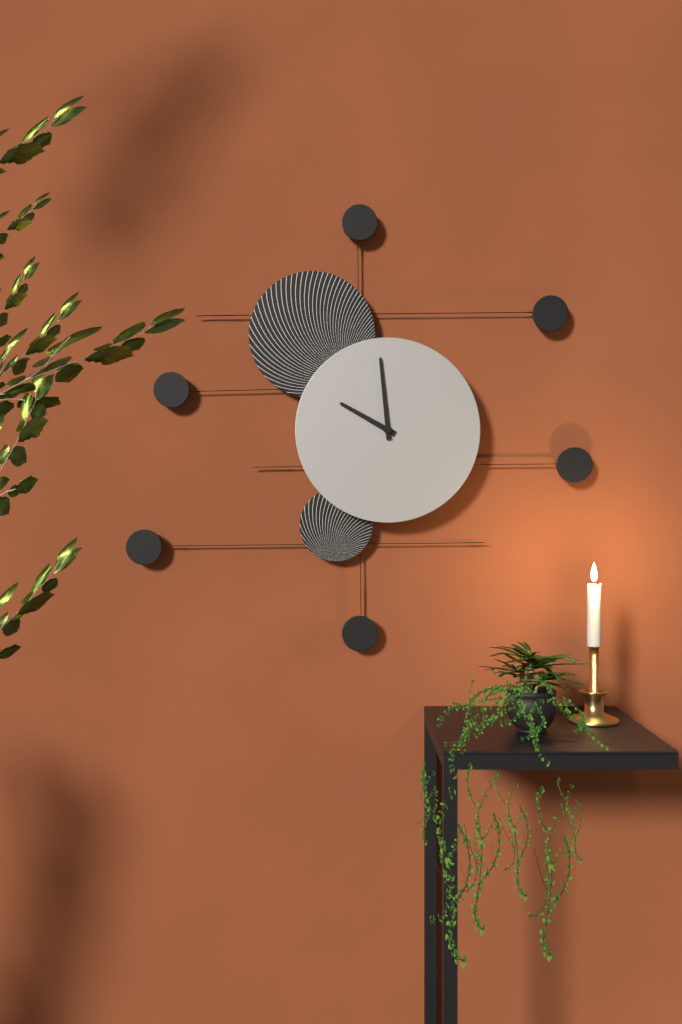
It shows 9 h 59 min
